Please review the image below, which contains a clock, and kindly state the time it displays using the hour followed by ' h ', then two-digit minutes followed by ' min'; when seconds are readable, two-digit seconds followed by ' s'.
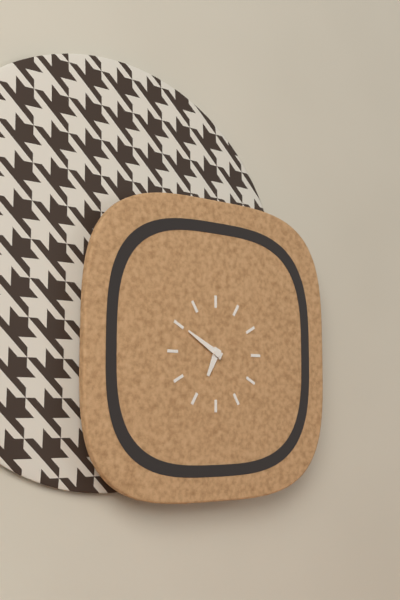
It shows 6 h 50 min
